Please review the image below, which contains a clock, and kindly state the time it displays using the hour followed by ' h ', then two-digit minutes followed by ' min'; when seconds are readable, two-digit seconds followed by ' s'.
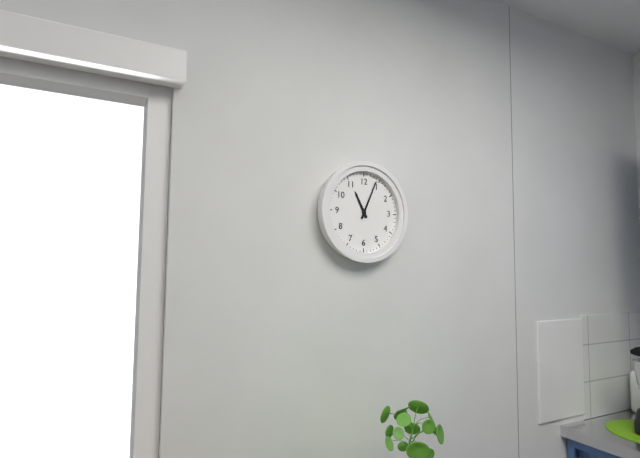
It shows 11 h 04 min
